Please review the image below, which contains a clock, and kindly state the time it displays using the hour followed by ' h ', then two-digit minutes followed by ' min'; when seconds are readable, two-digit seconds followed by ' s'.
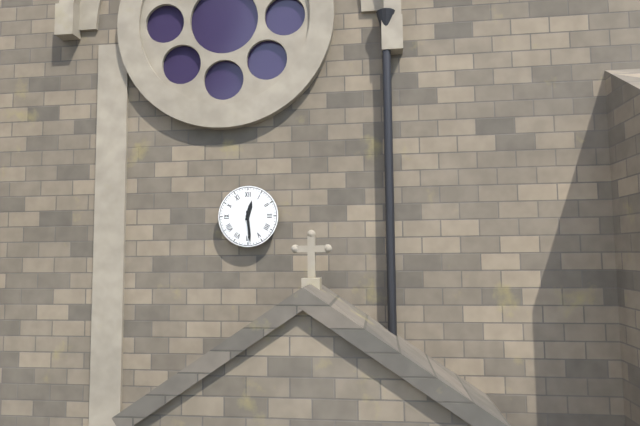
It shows 12 h 29 min
